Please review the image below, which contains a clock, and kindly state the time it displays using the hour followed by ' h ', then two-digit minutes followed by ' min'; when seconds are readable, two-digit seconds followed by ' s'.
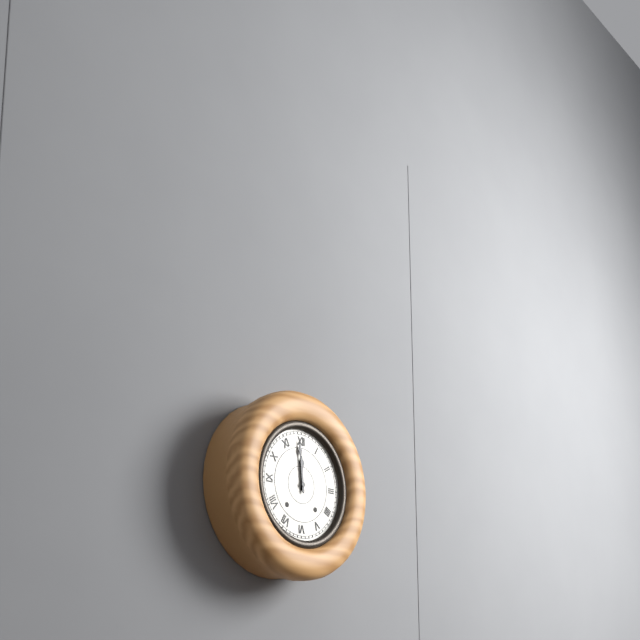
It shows 11 h 59 min
